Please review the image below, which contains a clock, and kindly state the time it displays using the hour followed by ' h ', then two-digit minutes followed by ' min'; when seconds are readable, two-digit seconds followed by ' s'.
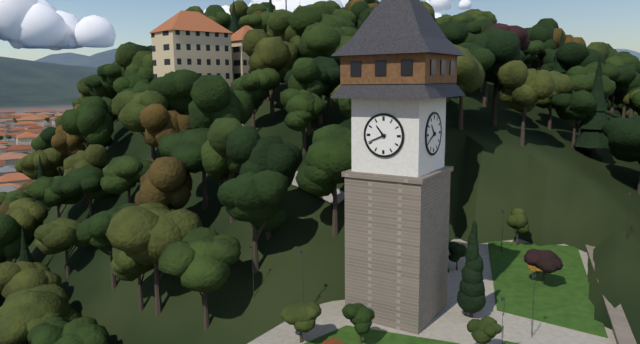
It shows 10 h 41 min
